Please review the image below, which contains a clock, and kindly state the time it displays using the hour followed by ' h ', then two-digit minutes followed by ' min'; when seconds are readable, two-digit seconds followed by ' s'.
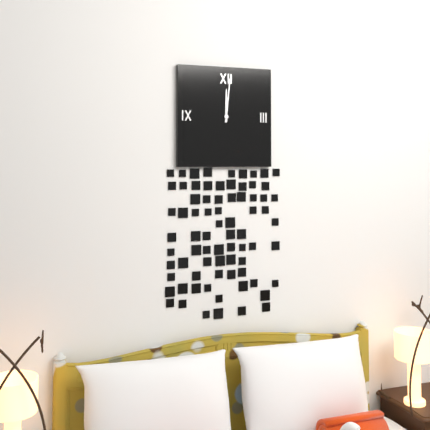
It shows 12 h 01 min
